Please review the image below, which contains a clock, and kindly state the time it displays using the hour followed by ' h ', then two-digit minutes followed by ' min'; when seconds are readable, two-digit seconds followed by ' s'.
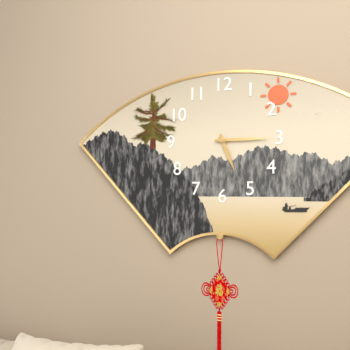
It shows 5 h 15 min
